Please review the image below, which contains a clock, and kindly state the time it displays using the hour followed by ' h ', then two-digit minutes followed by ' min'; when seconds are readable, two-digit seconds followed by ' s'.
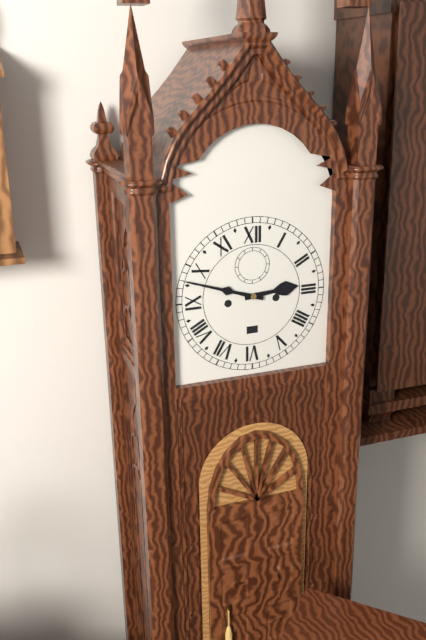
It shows 2 h 48 min
